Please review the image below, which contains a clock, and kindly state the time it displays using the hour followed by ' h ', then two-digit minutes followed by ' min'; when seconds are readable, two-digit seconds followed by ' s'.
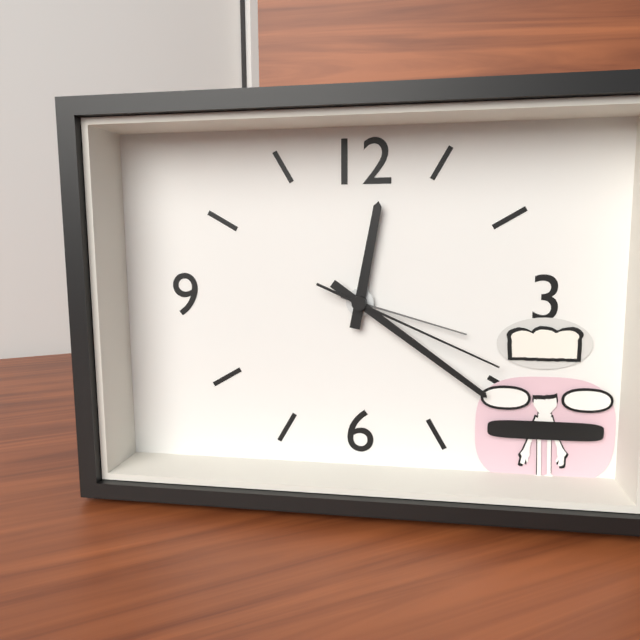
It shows 12 h 21 min 19 s
